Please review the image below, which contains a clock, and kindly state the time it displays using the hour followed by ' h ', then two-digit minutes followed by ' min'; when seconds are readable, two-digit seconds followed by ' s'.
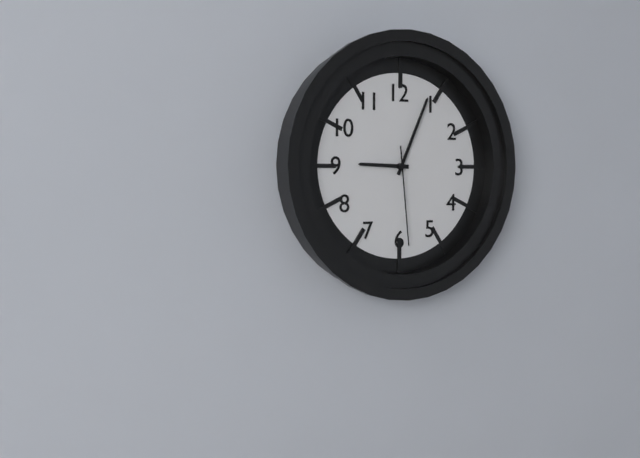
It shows 9 h 04 min 29 s
